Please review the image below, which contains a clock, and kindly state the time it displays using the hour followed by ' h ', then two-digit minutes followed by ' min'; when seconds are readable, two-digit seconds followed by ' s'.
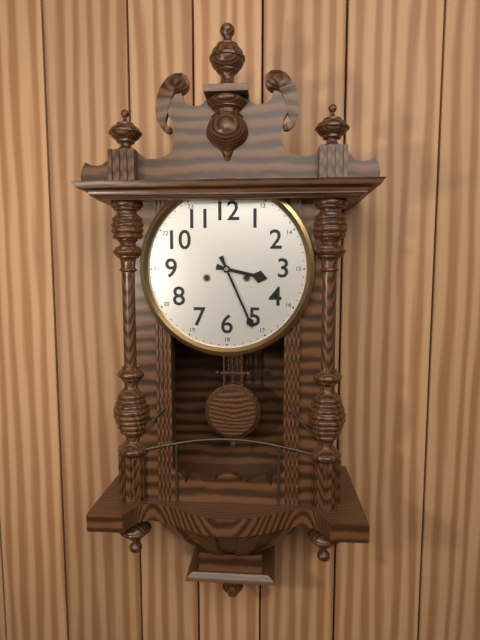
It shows 3 h 26 min
